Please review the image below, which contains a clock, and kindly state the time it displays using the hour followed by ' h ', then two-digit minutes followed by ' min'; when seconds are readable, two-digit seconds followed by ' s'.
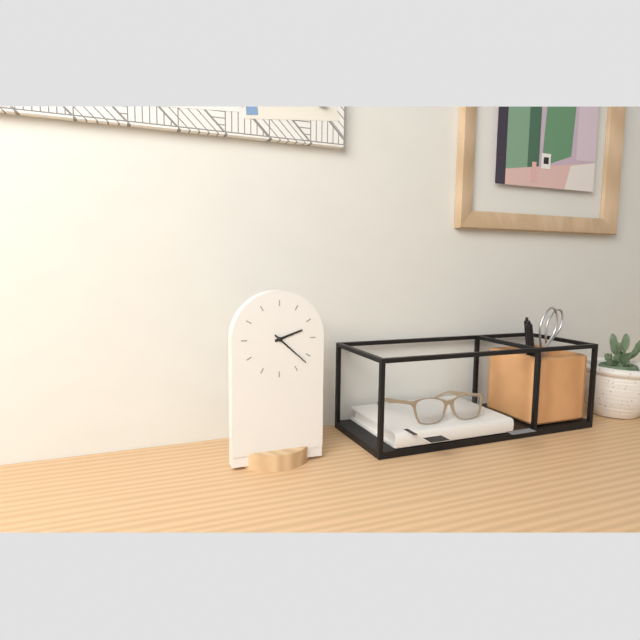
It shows 2 h 22 min
